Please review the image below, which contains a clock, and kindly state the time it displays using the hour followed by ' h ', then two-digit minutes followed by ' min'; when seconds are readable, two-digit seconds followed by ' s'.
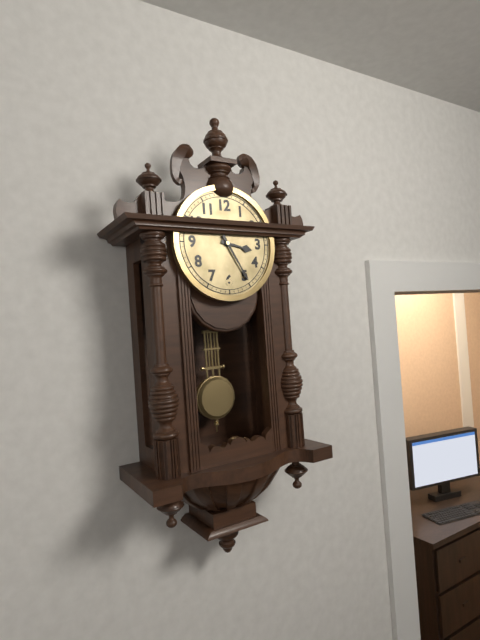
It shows 3 h 25 min
